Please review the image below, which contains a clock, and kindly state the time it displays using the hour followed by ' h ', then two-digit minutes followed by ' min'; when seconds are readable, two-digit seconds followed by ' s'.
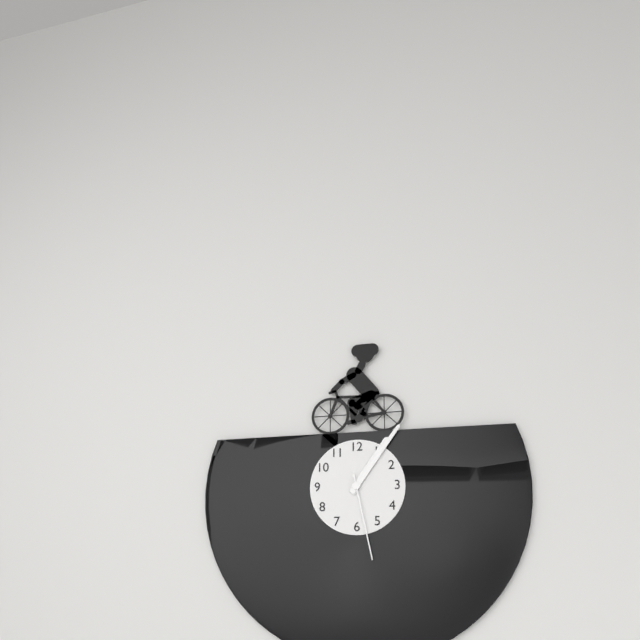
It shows 1 h 06 min 28 s
